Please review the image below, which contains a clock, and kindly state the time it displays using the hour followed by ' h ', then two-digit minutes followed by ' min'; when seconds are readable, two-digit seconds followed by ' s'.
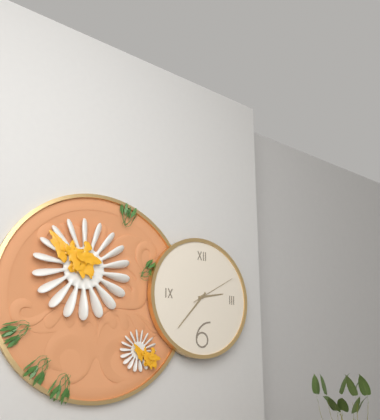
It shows 2 h 37 min 10 s
